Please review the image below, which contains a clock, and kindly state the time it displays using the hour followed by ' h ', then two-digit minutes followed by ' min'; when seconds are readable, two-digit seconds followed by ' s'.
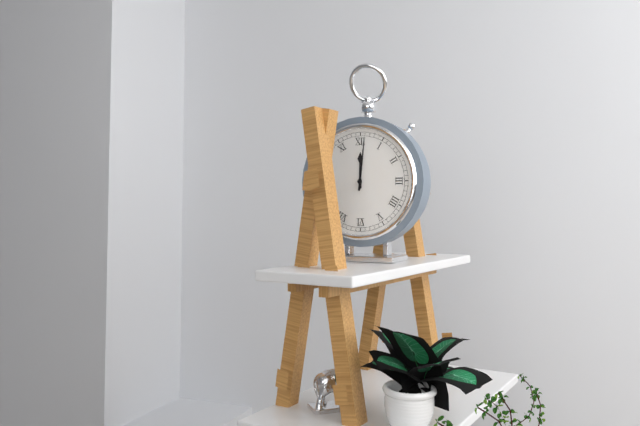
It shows 12 h 01 min
